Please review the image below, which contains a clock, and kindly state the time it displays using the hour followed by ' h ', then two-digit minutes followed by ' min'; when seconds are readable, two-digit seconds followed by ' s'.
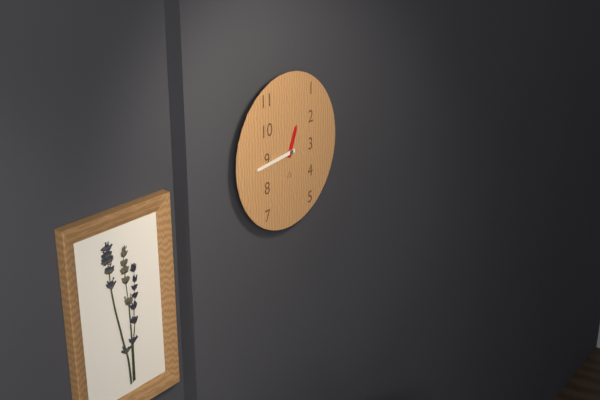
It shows 12 h 44 min
